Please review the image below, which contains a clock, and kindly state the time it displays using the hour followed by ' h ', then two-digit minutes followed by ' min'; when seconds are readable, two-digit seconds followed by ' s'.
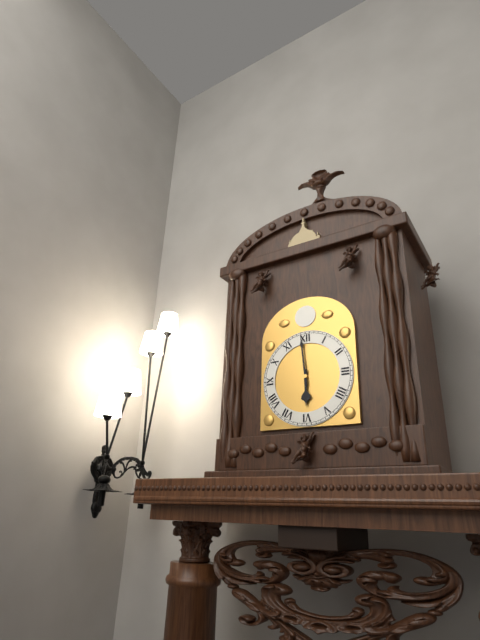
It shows 5 h 59 min
